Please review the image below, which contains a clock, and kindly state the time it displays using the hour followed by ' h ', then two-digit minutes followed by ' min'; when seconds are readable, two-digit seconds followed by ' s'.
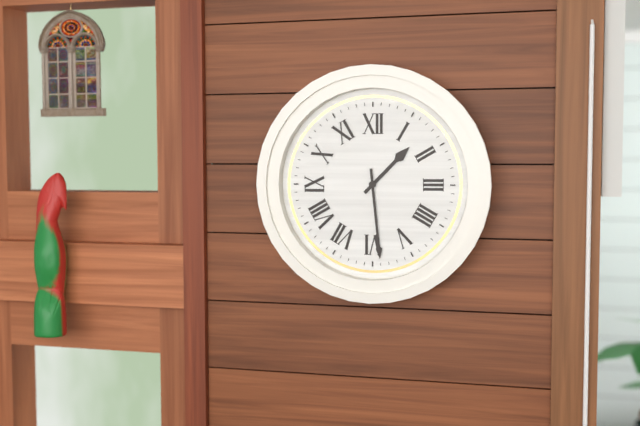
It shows 1 h 29 min
